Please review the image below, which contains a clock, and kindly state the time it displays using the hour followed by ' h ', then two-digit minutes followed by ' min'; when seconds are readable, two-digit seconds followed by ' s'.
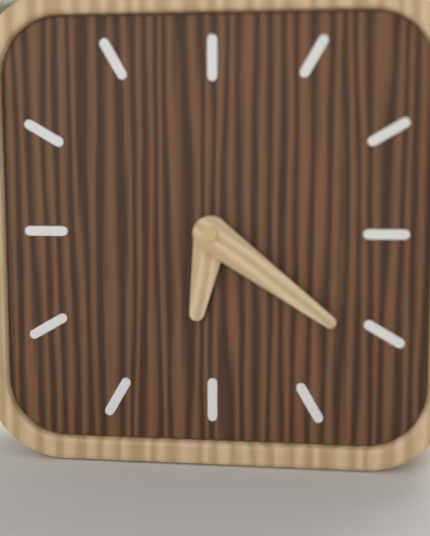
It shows 6 h 21 min
